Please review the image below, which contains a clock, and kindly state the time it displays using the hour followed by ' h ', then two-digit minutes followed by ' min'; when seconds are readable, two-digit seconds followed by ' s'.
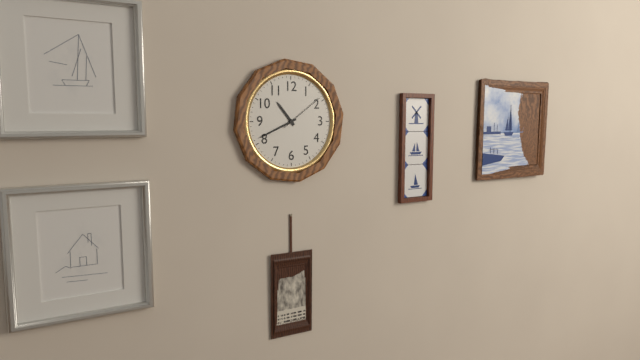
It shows 10 h 41 min
